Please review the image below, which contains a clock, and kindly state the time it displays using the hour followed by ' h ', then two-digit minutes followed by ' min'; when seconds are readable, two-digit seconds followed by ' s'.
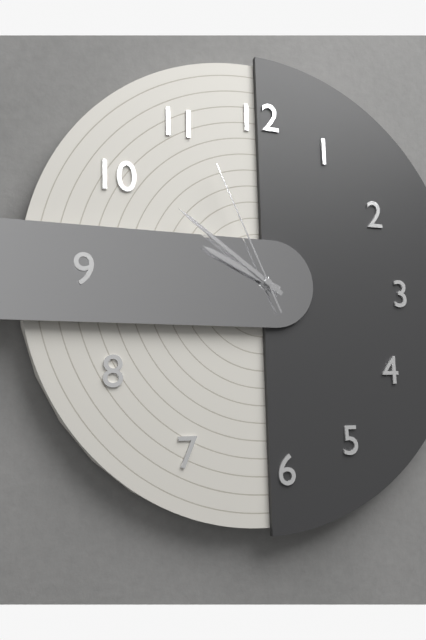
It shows 9 h 51 min 56 s
